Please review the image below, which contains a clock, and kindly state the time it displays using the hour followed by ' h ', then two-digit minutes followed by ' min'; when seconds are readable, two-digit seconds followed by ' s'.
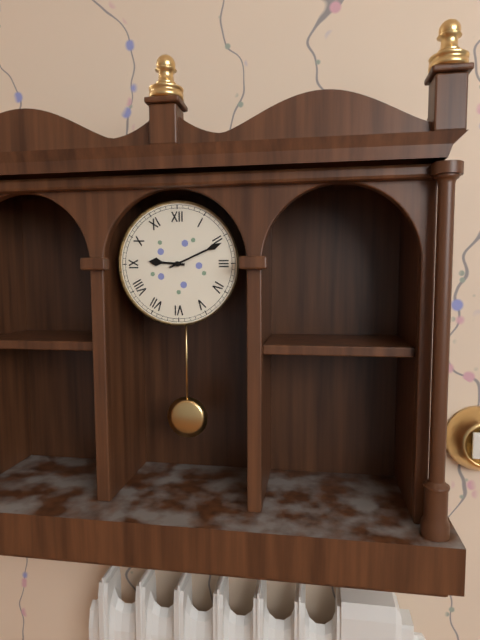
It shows 9 h 11 min
